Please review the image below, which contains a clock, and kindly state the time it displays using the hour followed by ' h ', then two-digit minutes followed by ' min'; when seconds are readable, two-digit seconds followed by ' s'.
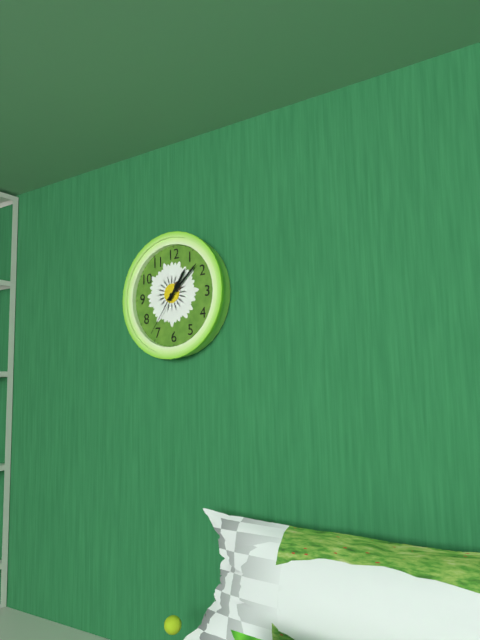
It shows 1 h 08 min 36 s
